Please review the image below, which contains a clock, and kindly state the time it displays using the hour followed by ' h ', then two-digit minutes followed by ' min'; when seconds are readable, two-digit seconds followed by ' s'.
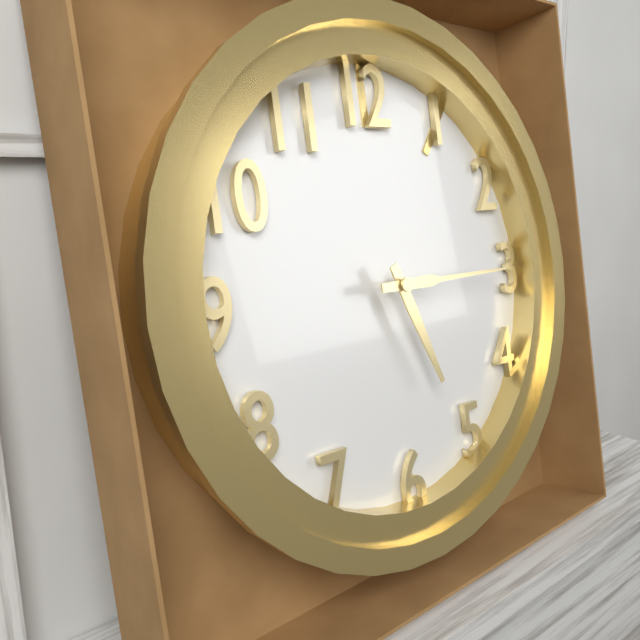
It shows 5 h 15 min
